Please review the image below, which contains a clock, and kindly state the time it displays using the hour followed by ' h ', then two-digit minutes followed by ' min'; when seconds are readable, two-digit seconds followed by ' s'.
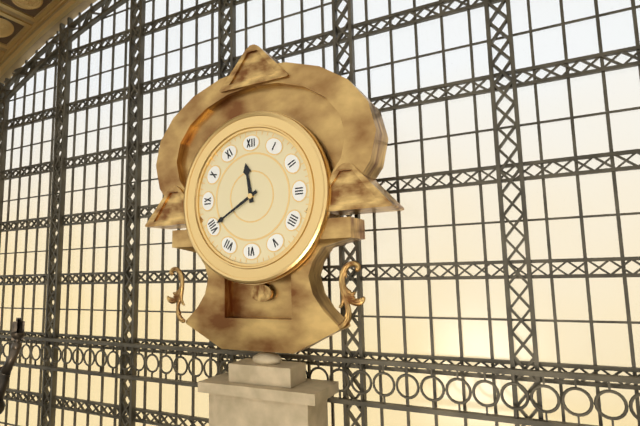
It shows 11 h 40 min
